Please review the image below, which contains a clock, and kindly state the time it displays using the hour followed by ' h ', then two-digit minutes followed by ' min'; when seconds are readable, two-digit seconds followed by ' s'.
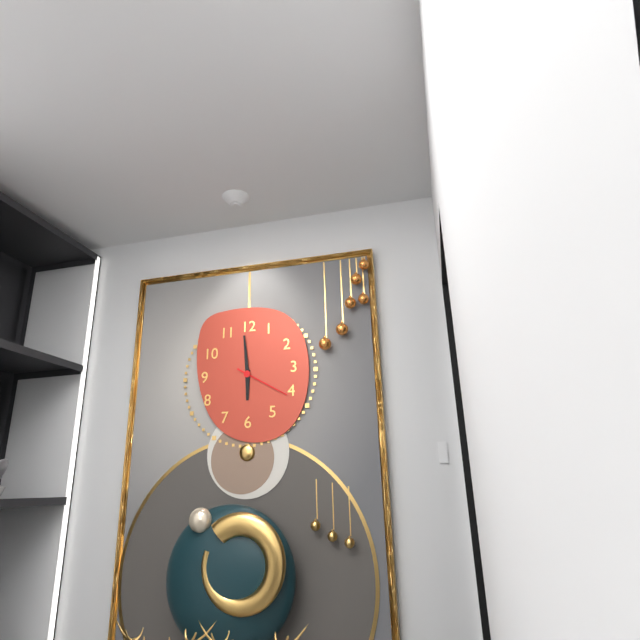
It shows 5 h 59 min
